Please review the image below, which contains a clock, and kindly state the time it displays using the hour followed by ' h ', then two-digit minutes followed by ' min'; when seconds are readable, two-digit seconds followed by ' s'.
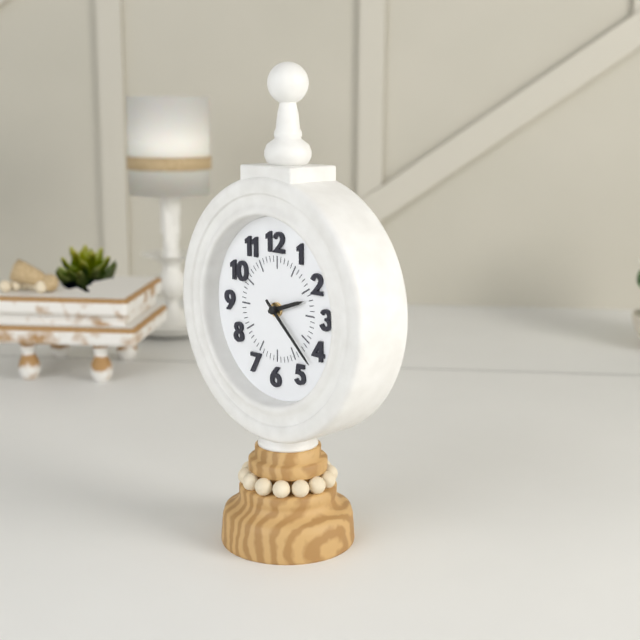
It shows 2 h 22 min
